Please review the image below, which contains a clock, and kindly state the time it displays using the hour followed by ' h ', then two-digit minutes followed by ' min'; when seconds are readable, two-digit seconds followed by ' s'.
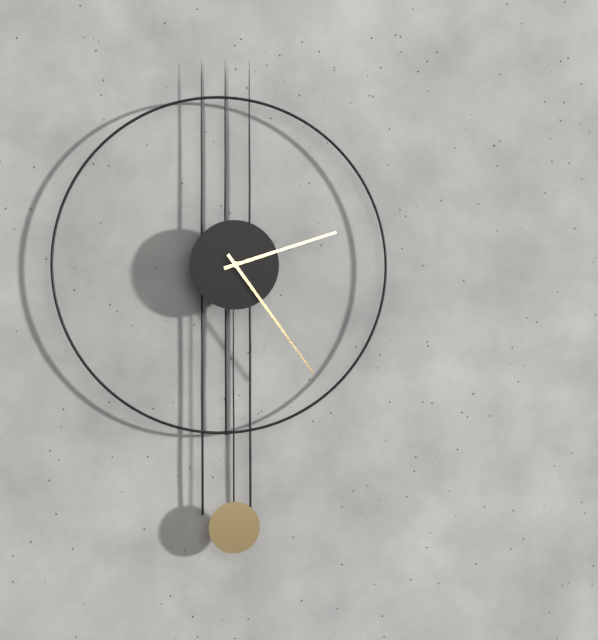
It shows 2 h 24 min
